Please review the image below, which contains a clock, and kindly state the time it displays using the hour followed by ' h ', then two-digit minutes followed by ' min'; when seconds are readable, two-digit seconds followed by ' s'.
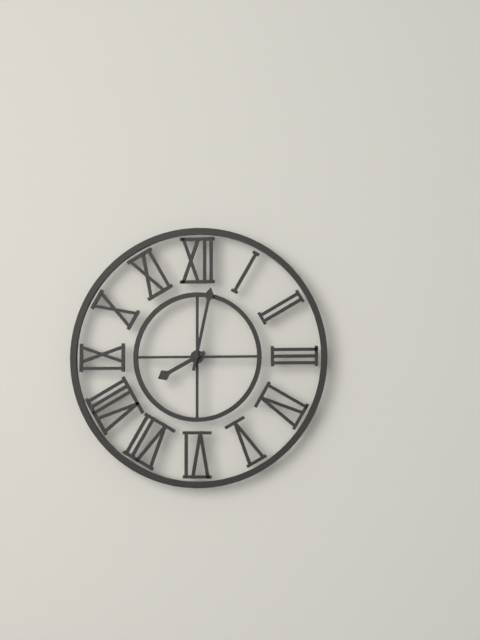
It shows 8 h 02 min
